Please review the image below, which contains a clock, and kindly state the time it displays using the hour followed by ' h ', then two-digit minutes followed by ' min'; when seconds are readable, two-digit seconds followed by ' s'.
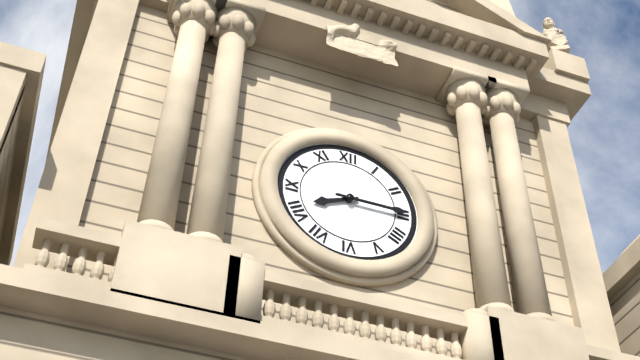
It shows 8 h 15 min
